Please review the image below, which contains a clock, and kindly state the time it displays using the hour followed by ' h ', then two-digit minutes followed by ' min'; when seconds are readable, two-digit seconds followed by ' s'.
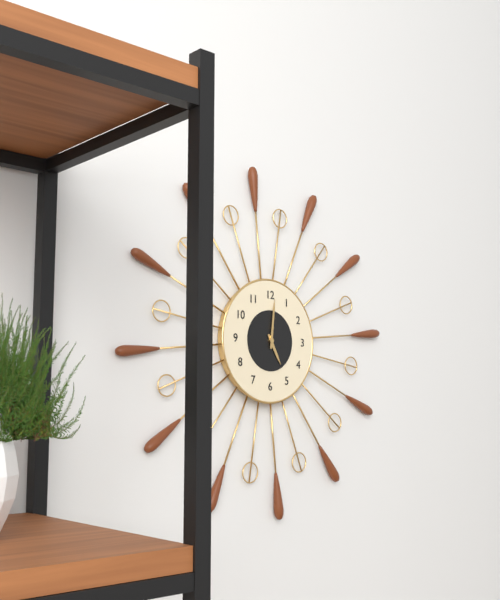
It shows 5 h 01 min
